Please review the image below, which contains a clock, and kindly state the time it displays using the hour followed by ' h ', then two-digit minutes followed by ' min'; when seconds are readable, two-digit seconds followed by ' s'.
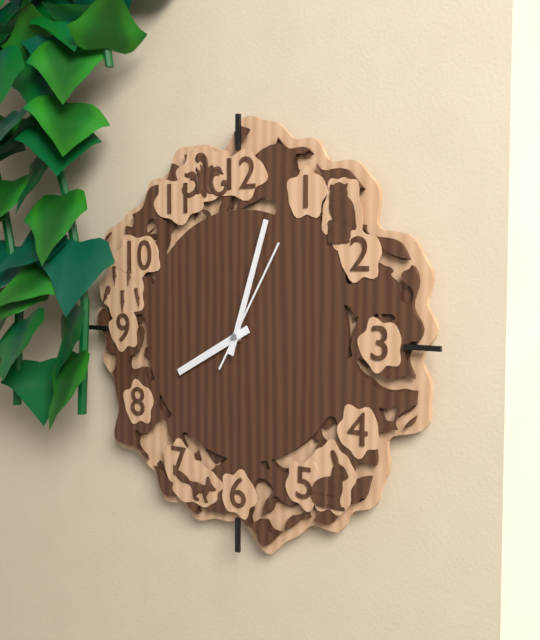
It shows 8 h 03 min 05 s
